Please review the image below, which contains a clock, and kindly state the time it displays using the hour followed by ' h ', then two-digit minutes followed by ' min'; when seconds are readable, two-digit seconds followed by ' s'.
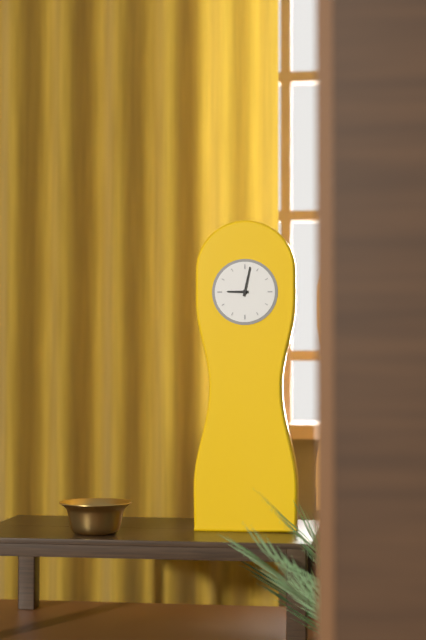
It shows 9 h 02 min
